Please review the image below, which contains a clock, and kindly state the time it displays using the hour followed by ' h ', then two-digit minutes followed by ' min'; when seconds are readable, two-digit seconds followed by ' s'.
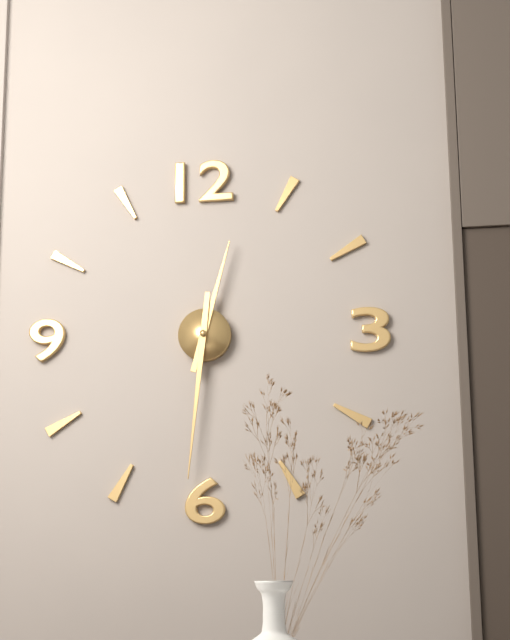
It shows 12 h 31 min
